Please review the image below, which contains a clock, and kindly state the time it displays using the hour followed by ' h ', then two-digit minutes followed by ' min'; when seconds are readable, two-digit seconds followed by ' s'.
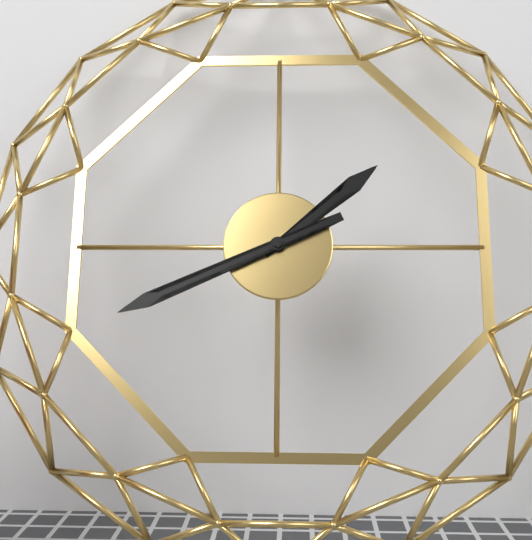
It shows 1 h 41 min
